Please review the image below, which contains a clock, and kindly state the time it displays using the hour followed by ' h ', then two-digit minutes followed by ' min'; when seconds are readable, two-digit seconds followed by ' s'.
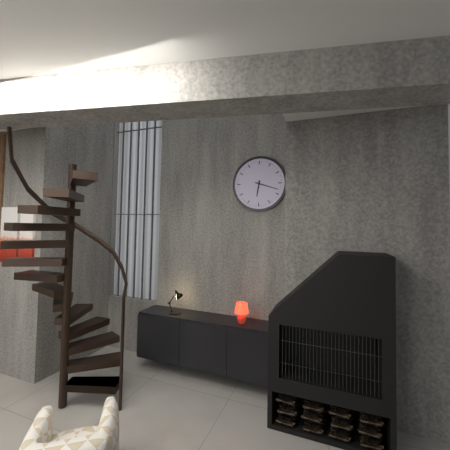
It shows 6 h 18 min
